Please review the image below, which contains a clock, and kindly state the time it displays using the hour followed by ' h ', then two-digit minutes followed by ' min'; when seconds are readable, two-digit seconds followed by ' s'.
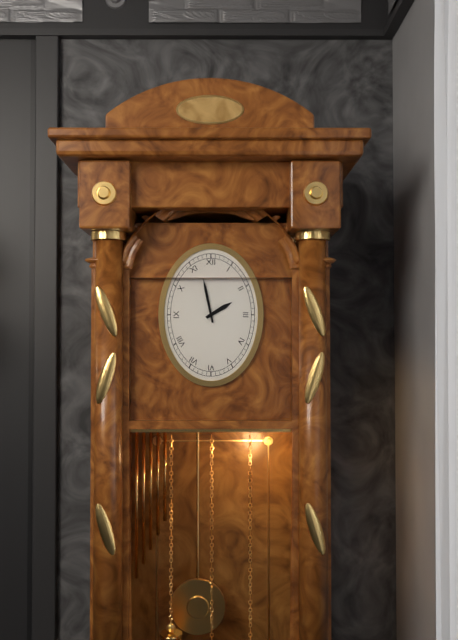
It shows 1 h 58 min
